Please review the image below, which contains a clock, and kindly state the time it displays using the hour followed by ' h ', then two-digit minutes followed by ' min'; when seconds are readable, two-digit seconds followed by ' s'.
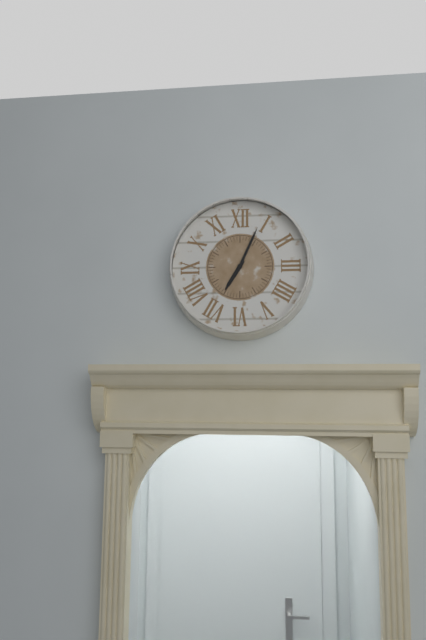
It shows 7 h 04 min
